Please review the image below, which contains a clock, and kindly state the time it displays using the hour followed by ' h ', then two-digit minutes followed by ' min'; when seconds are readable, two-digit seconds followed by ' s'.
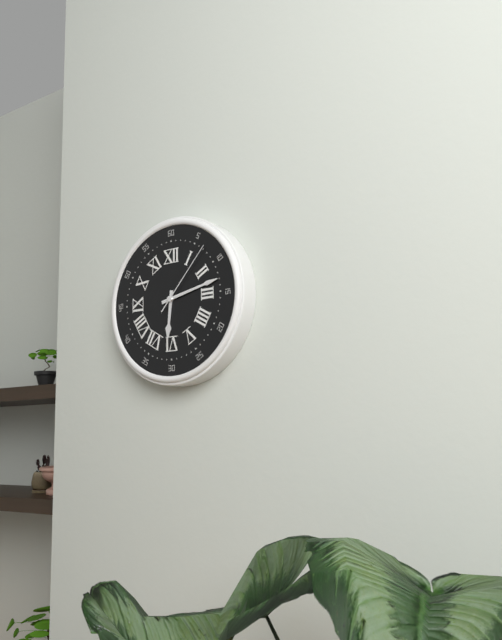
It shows 6 h 13 min 07 s
